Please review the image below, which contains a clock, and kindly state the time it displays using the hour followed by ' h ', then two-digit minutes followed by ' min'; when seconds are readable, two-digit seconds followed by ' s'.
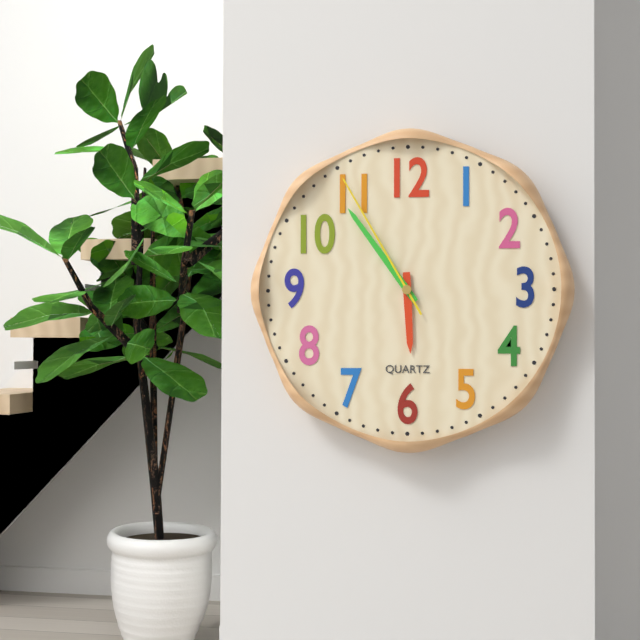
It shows 5 h 54 min 55 s
